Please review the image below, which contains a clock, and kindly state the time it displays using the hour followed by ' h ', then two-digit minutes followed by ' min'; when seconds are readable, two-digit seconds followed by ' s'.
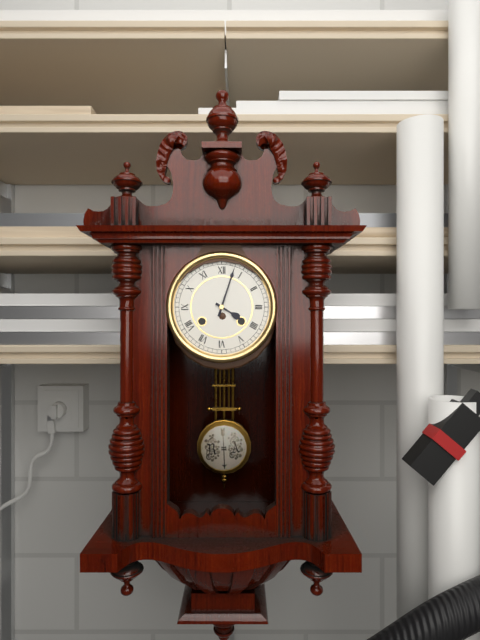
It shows 4 h 03 min
